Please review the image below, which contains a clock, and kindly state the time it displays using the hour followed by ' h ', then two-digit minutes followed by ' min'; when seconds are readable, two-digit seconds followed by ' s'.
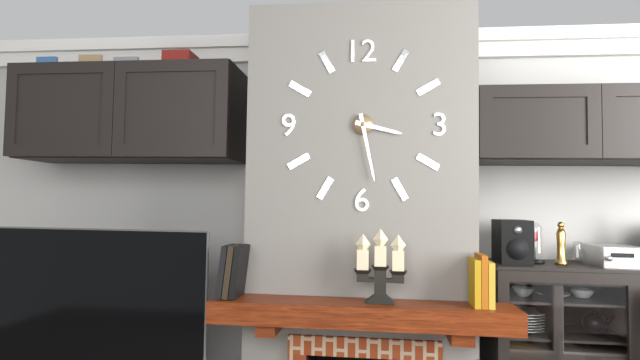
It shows 3 h 28 min
